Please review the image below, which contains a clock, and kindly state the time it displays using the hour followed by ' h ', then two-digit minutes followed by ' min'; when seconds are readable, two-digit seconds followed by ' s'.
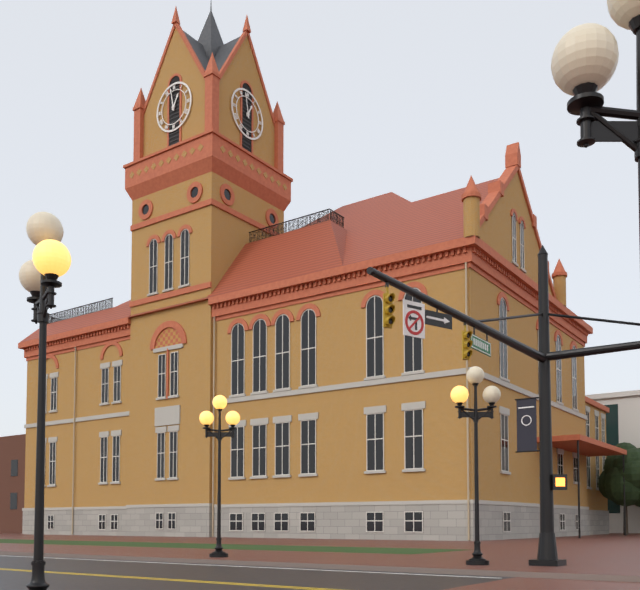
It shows 12 h 58 min
